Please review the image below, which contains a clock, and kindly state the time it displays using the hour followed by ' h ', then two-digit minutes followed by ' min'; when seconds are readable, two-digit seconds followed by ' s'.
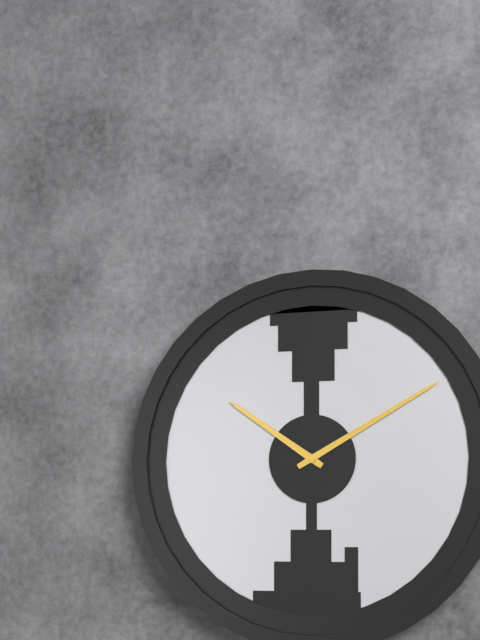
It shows 10 h 10 min
